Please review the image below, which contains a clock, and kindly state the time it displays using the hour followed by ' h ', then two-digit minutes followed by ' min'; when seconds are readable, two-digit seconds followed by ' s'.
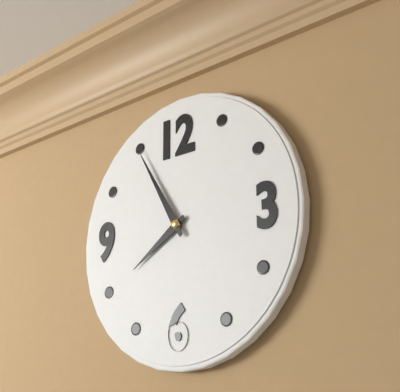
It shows 7 h 55 min
